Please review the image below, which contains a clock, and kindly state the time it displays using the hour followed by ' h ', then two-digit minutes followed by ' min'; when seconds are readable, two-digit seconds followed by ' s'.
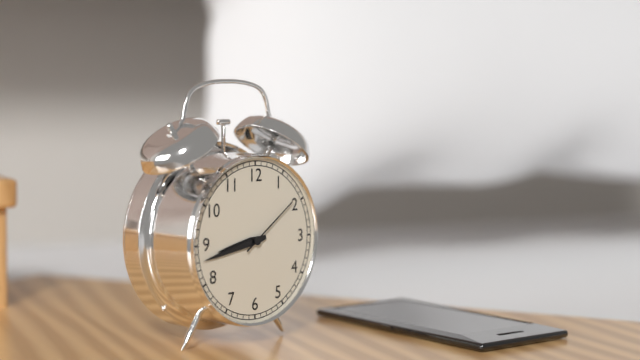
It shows 8 h 43 min 09 s
